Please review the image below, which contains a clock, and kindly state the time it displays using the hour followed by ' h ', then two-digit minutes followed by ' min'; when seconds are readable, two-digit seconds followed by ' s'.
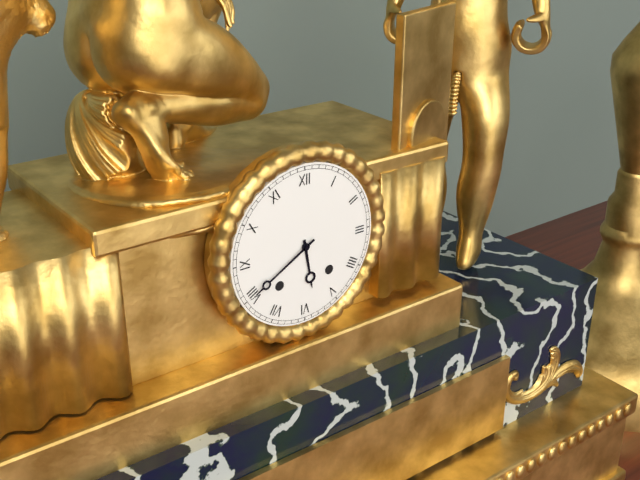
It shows 5 h 40 min
